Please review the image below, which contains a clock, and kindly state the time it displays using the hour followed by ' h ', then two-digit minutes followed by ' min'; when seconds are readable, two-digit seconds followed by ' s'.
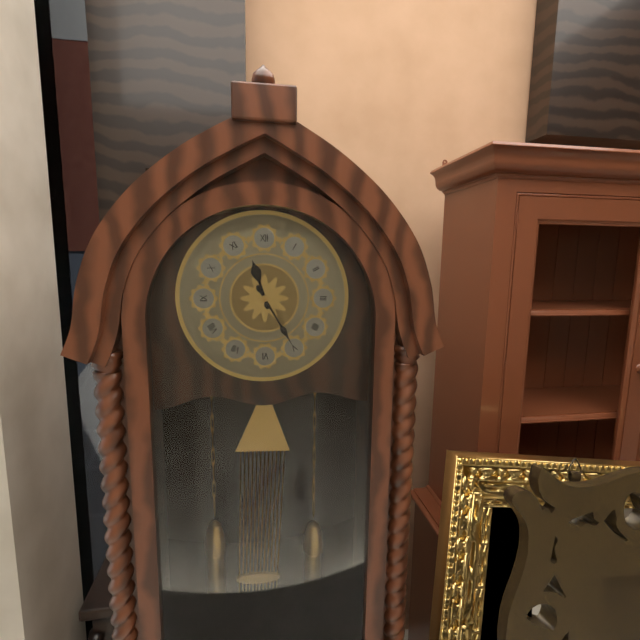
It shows 11 h 25 min
